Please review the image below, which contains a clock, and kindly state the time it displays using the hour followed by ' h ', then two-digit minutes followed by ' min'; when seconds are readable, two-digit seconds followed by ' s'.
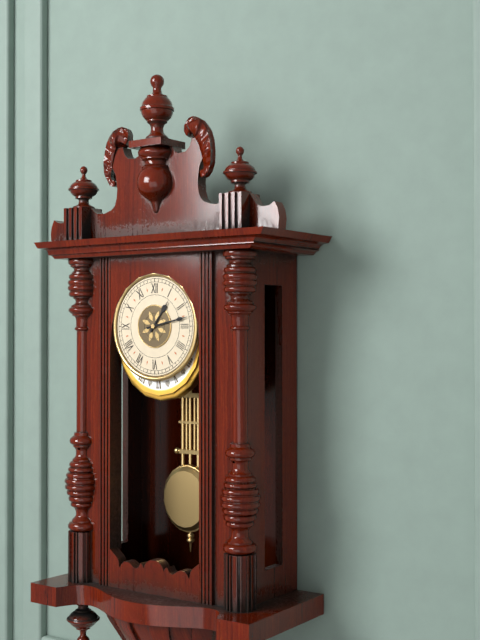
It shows 1 h 13 min
